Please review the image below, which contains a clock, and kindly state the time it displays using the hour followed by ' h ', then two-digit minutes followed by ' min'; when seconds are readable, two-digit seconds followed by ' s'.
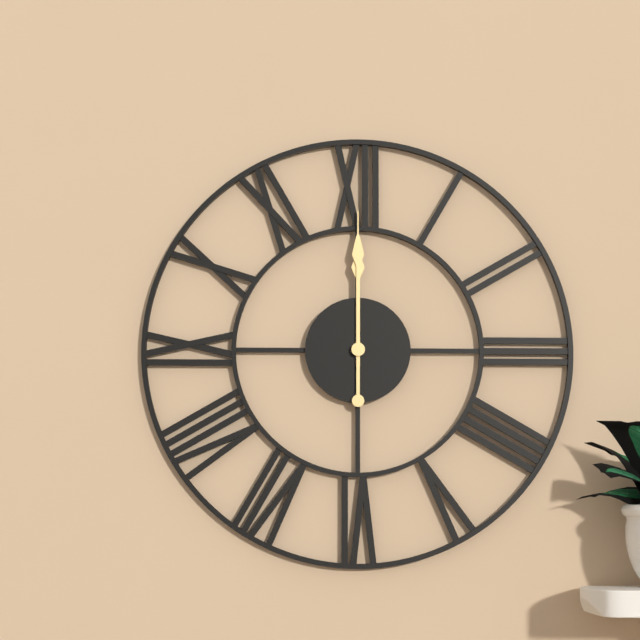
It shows 12 h 00 min
